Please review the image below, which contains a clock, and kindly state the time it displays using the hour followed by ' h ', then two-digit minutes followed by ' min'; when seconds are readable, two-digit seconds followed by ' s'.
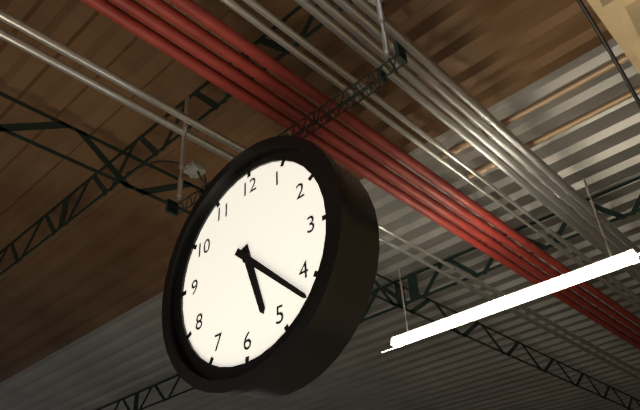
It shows 5 h 22 min
